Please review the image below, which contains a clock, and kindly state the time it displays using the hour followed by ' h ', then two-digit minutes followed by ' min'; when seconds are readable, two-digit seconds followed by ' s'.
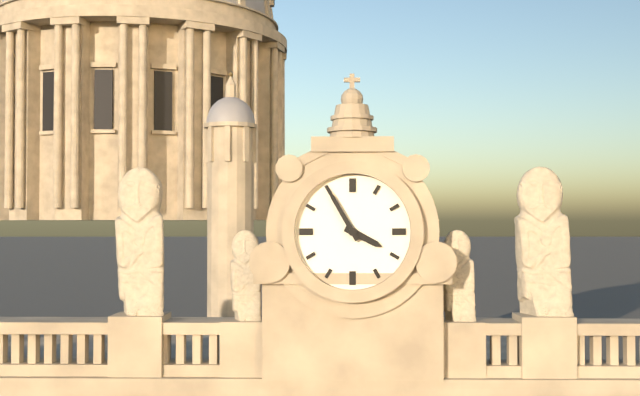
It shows 3 h 55 min
